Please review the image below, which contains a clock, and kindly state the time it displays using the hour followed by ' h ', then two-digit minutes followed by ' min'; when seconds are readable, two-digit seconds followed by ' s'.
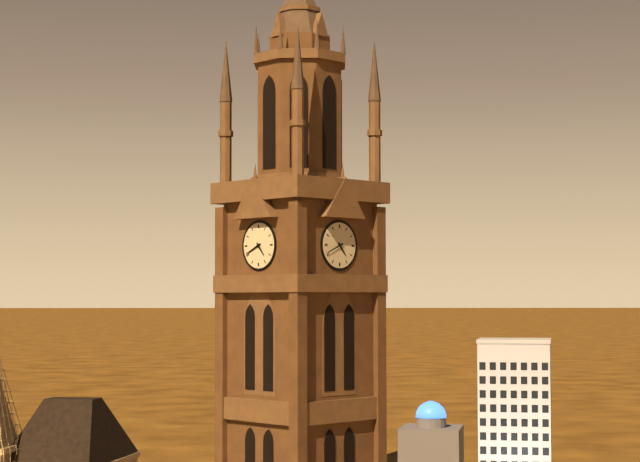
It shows 4 h 41 min
